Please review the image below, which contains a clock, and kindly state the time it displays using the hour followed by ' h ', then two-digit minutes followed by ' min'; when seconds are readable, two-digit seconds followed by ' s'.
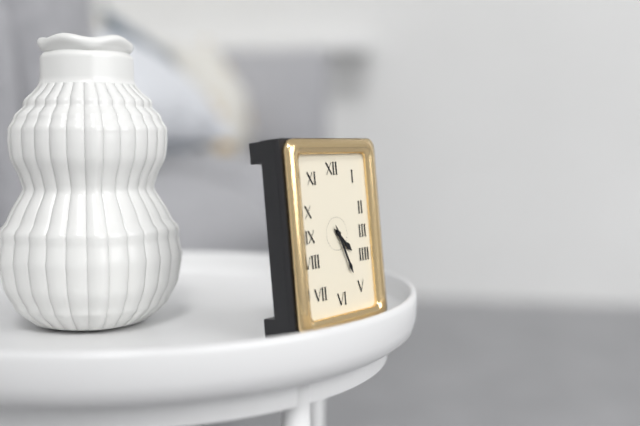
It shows 4 h 26 min
